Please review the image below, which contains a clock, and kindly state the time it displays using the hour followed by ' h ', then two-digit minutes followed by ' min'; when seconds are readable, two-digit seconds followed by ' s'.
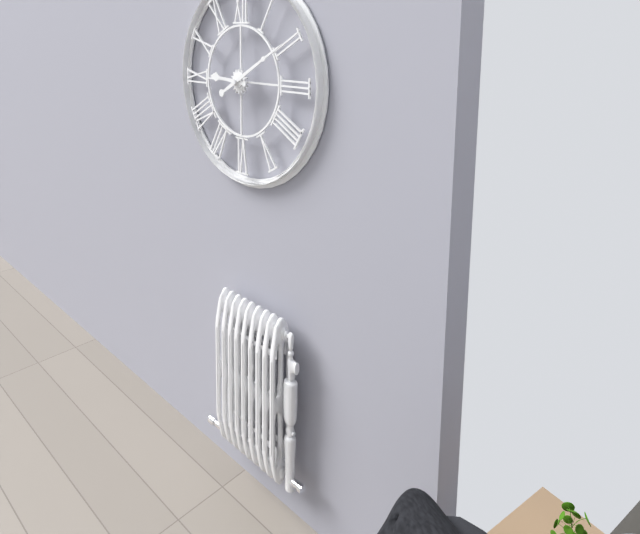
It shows 9 h 10 min
